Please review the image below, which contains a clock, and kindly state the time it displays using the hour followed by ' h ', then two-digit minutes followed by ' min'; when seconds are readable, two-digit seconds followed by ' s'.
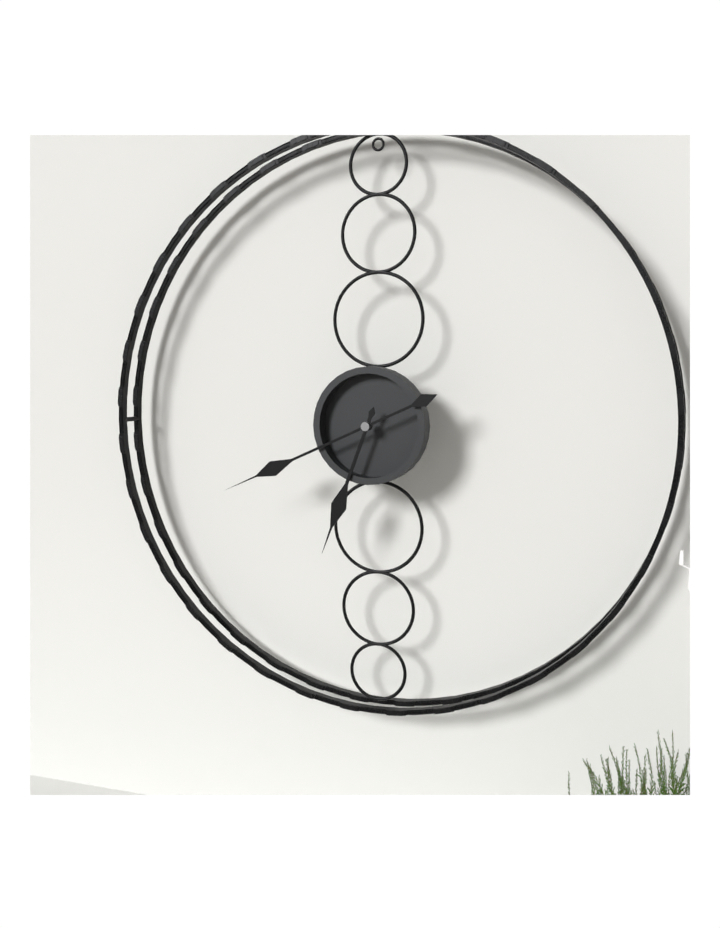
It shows 6 h 41 min
